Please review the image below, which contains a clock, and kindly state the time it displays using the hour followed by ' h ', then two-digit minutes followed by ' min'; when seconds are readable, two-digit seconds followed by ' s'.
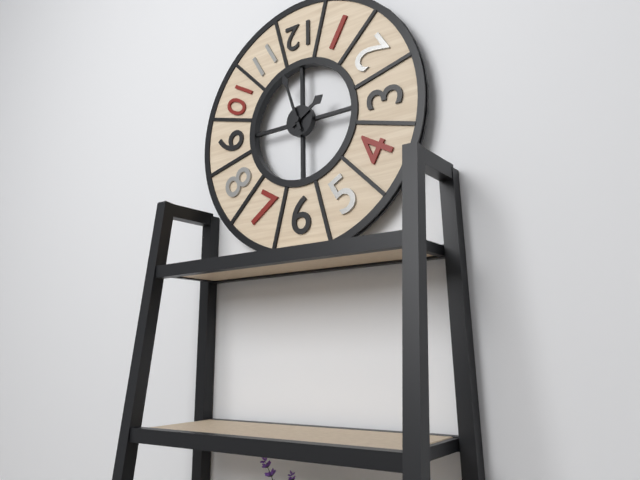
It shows 1 h 57 min
